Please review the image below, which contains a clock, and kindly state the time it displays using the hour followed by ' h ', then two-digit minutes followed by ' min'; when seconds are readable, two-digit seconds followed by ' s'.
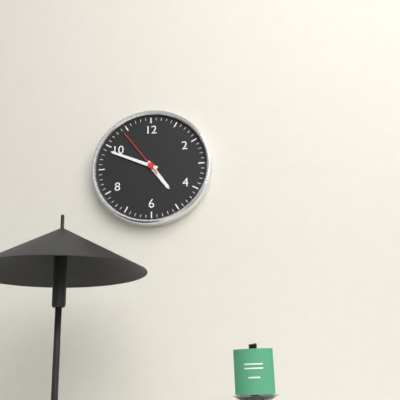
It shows 4 h 49 min 54 s
